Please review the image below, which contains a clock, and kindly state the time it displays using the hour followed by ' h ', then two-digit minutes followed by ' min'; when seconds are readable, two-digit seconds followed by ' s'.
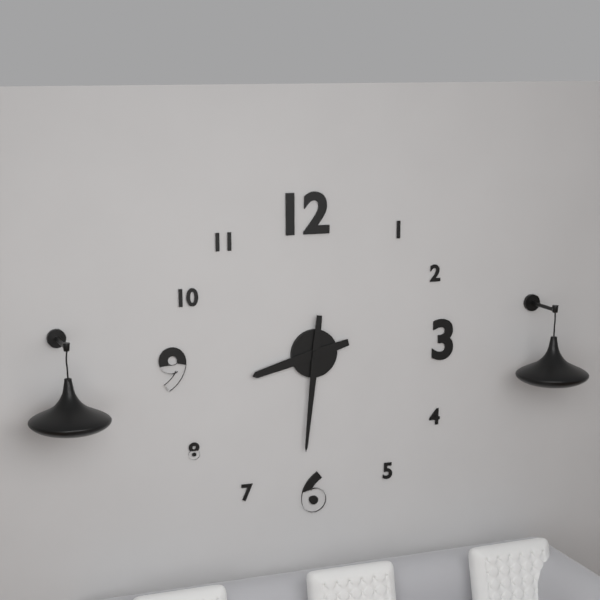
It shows 8 h 31 min
